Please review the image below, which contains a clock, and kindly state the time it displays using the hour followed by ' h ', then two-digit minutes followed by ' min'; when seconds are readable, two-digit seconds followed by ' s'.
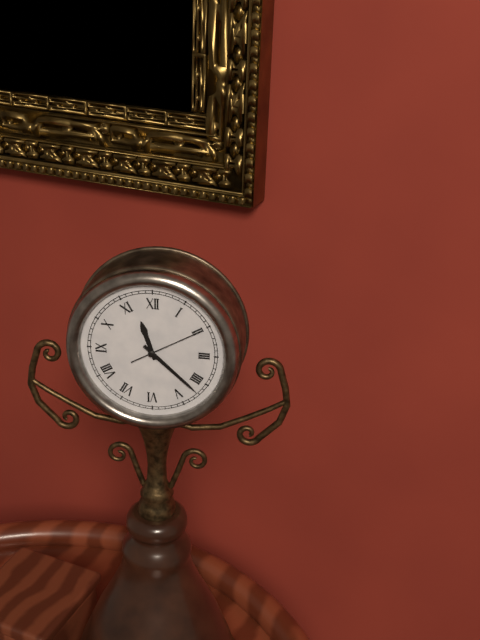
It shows 11 h 22 min 10 s
